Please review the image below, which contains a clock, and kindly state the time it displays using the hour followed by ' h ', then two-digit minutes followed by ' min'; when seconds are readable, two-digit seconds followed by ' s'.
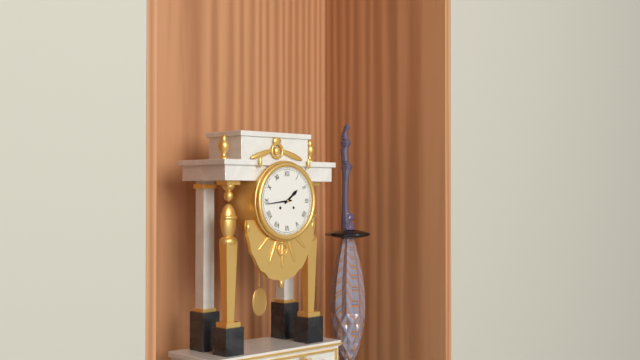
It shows 1 h 44 min
